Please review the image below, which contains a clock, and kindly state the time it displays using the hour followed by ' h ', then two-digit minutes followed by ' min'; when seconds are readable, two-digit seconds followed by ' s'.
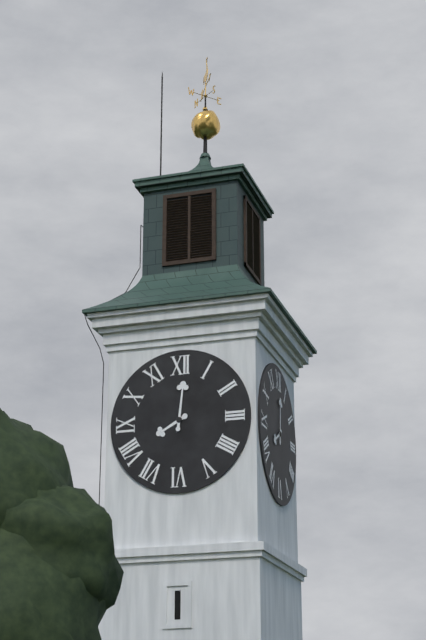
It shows 8 h 01 min
